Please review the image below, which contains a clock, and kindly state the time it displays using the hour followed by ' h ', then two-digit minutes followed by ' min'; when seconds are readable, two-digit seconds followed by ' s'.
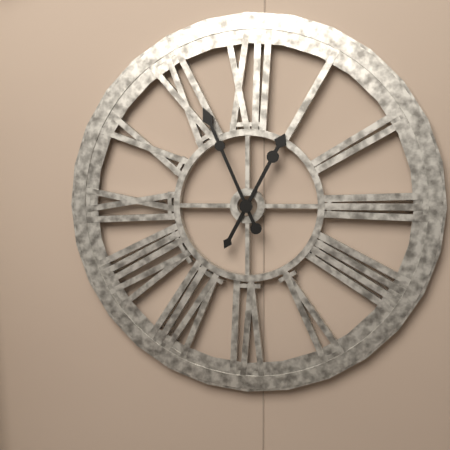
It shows 12 h 56 min
